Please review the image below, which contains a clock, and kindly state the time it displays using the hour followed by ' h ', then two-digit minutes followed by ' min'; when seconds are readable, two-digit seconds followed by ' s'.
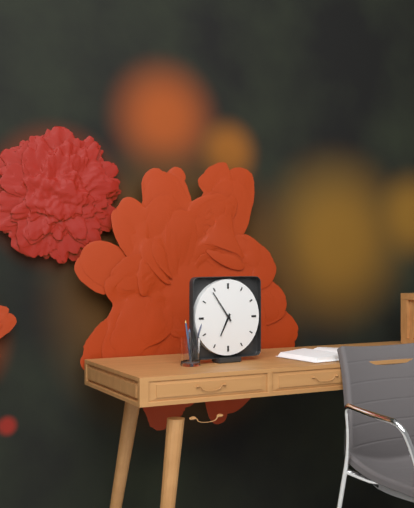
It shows 6 h 54 min
